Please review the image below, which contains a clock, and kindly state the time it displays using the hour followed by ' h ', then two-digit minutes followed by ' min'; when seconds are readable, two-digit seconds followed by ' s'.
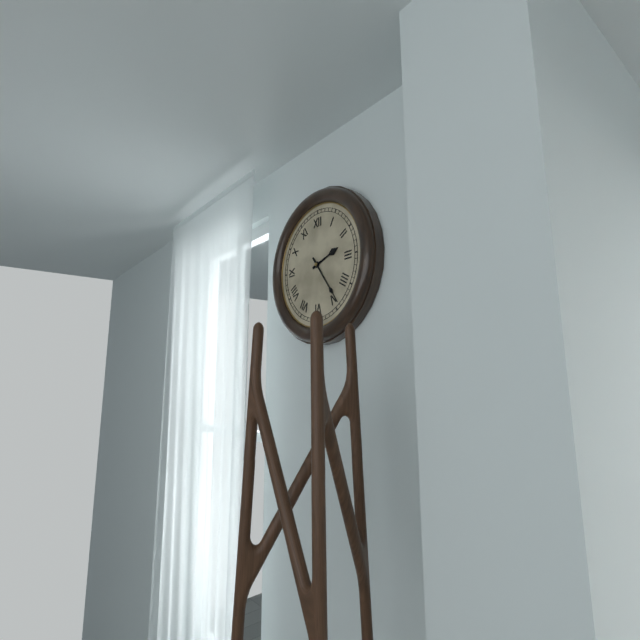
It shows 2 h 24 min
